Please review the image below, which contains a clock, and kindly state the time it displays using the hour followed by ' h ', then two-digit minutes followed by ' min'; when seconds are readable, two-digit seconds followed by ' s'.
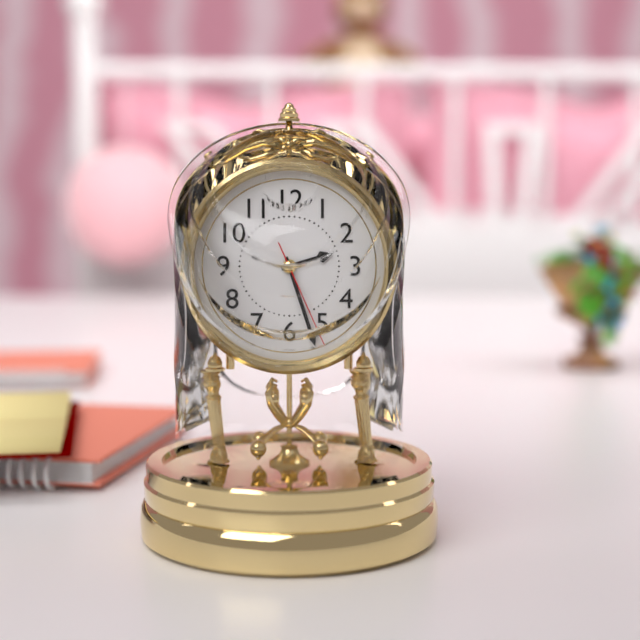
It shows 2 h 27 min 26 s
